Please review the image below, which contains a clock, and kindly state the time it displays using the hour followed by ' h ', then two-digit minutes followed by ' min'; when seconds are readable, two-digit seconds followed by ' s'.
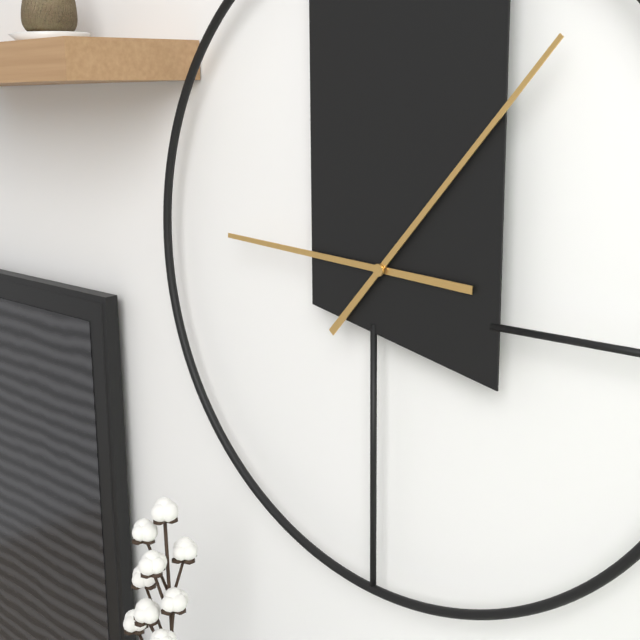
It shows 9 h 07 min
